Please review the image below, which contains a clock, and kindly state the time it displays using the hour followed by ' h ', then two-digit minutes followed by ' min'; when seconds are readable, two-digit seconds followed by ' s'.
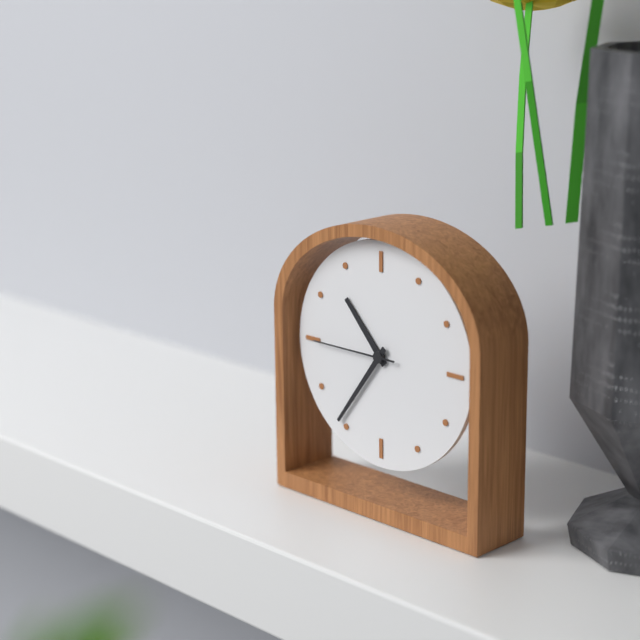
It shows 10 h 36 min 45 s
